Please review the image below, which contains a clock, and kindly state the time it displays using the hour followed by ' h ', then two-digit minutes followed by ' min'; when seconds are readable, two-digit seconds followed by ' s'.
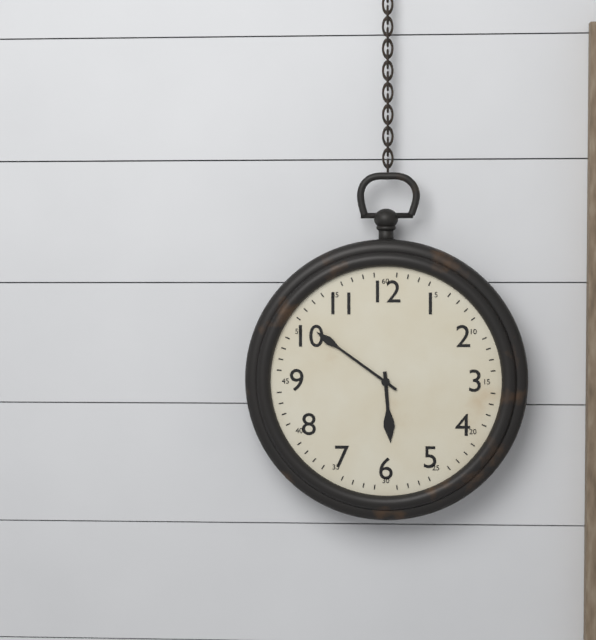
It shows 5 h 51 min
